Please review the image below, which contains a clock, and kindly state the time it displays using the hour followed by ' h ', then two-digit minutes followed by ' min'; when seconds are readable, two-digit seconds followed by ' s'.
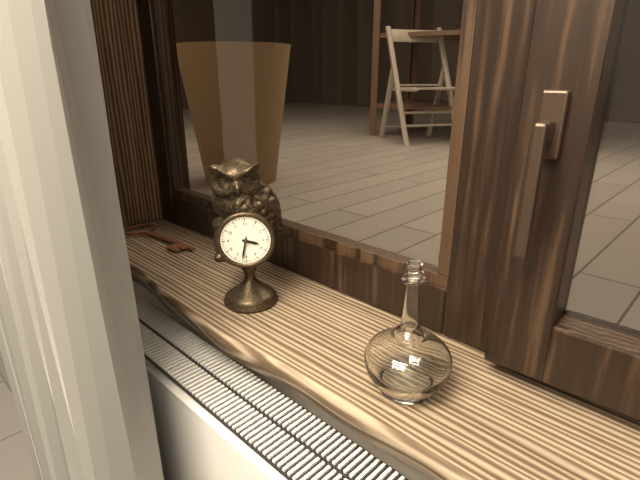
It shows 3 h 32 min
